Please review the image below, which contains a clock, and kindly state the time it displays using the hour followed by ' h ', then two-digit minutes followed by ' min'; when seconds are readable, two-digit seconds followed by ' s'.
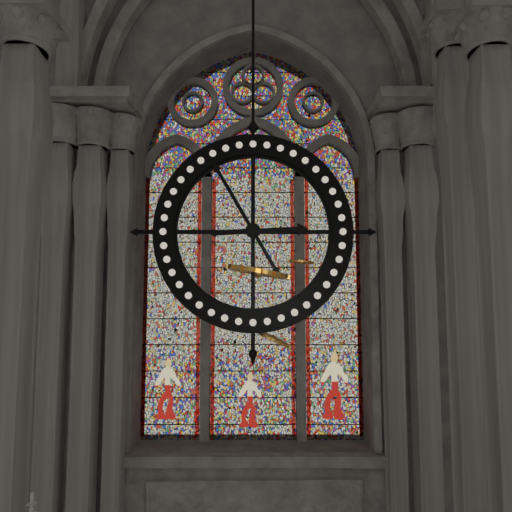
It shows 2 h 55 min
